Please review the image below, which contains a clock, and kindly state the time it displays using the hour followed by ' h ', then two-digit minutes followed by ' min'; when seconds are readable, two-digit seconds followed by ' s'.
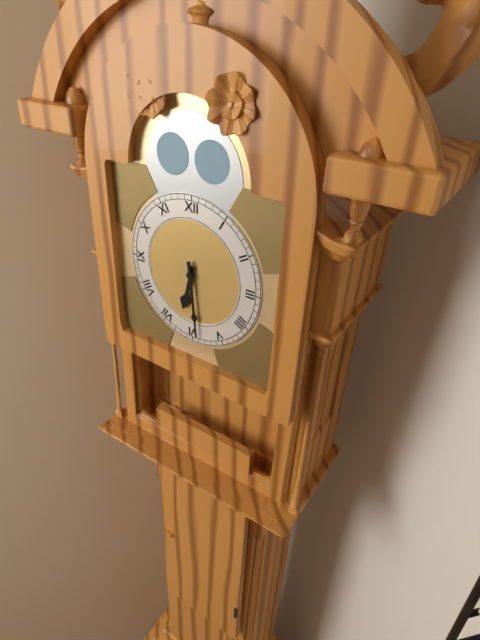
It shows 6 h 29 min
